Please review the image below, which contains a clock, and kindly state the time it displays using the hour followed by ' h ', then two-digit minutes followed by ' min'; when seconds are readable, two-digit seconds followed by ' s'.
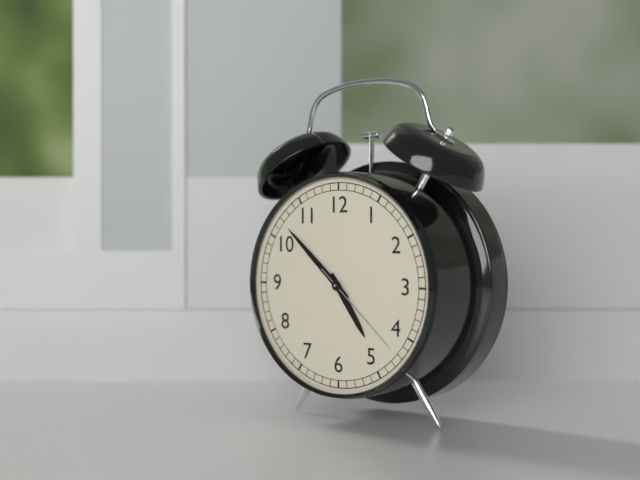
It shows 4 h 52 min 22 s
